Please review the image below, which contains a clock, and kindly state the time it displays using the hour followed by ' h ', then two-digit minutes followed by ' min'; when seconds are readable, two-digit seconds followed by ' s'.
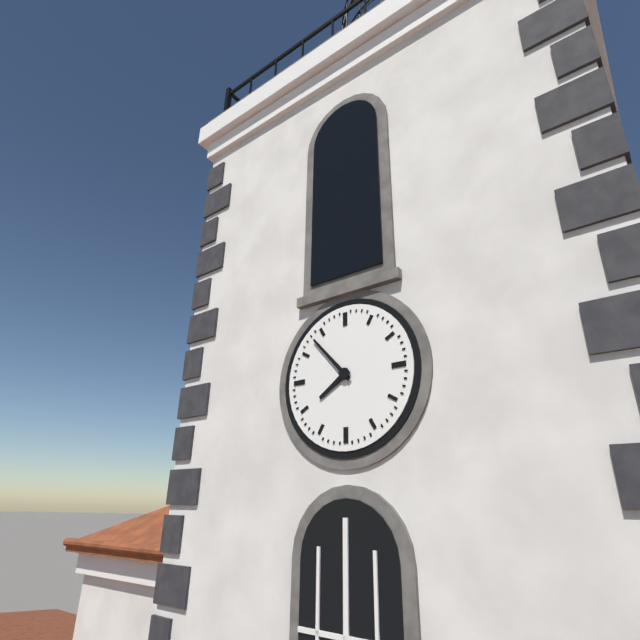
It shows 7 h 53 min
